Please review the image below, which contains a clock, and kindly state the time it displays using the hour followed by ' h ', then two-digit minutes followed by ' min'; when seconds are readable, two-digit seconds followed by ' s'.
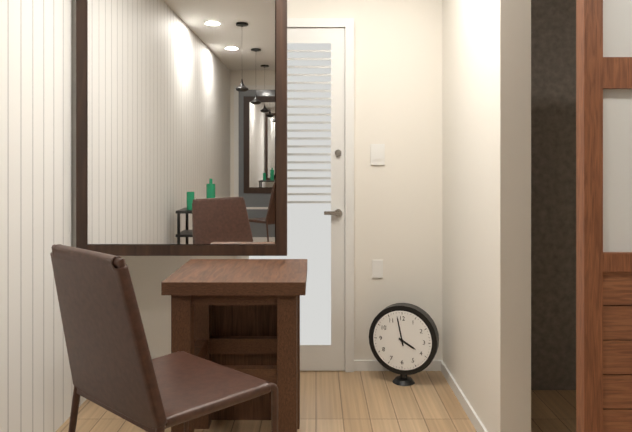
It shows 3 h 58 min
